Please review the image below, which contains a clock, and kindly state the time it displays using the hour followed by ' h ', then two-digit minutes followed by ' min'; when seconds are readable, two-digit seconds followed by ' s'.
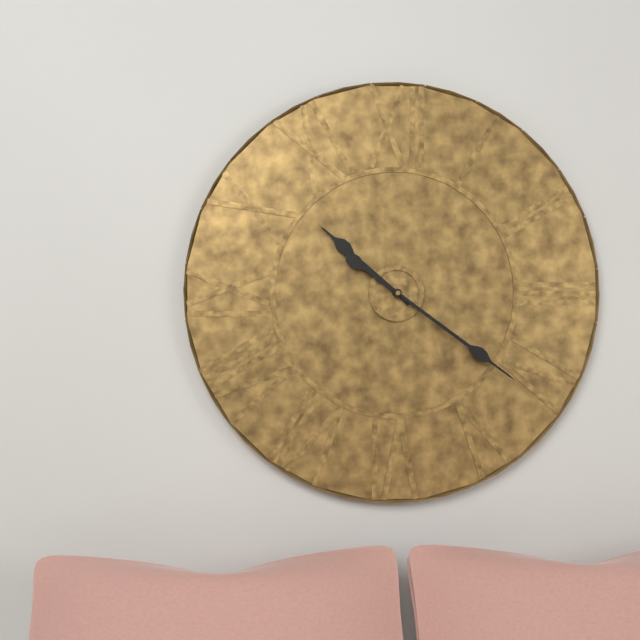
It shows 10 h 21 min
